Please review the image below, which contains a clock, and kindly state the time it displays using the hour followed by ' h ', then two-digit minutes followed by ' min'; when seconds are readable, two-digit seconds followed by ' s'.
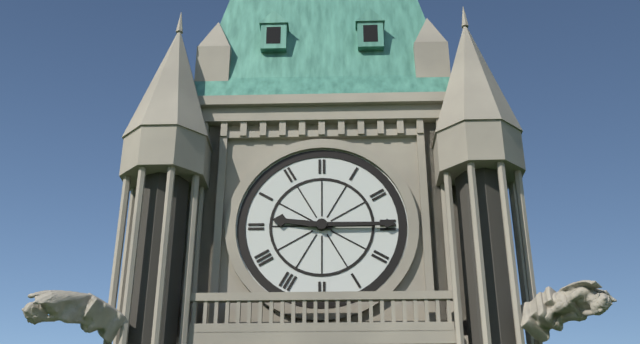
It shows 9 h 15 min
